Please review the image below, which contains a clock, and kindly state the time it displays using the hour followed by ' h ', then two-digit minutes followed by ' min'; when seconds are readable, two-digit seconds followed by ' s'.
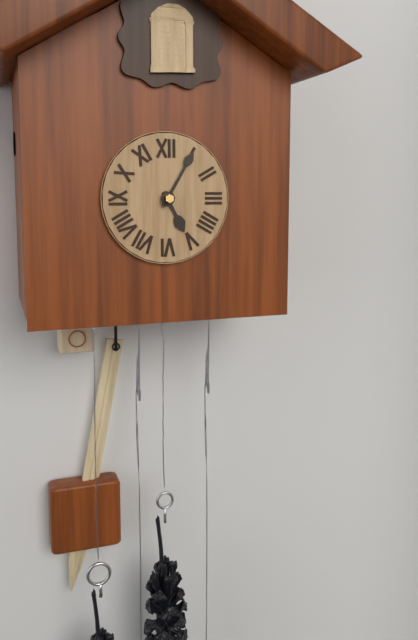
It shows 5 h 05 min
